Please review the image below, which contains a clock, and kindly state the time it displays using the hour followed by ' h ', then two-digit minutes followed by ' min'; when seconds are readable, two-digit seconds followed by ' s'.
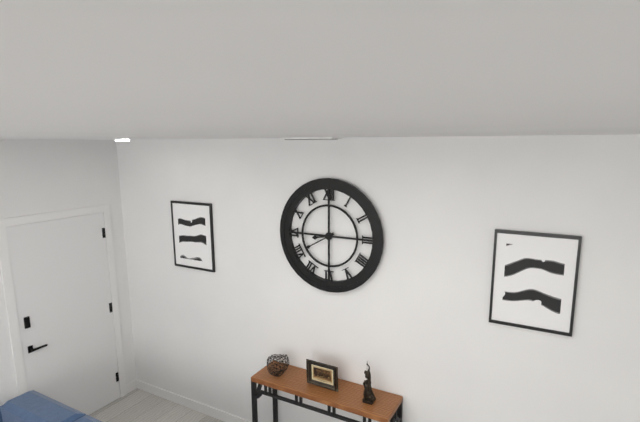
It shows 8 h 40 min
